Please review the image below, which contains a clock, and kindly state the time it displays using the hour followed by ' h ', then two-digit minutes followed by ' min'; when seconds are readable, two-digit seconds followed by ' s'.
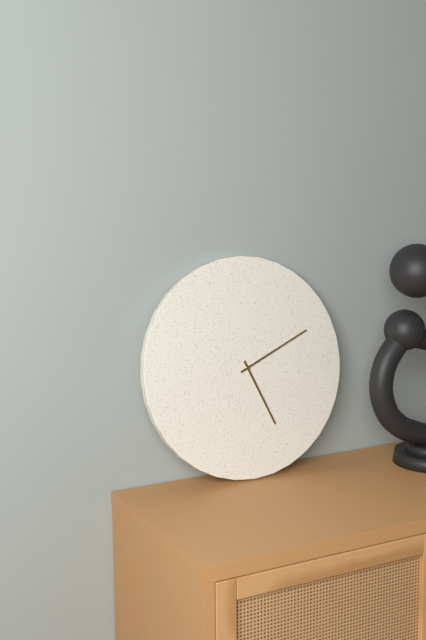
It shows 5 h 11 min
